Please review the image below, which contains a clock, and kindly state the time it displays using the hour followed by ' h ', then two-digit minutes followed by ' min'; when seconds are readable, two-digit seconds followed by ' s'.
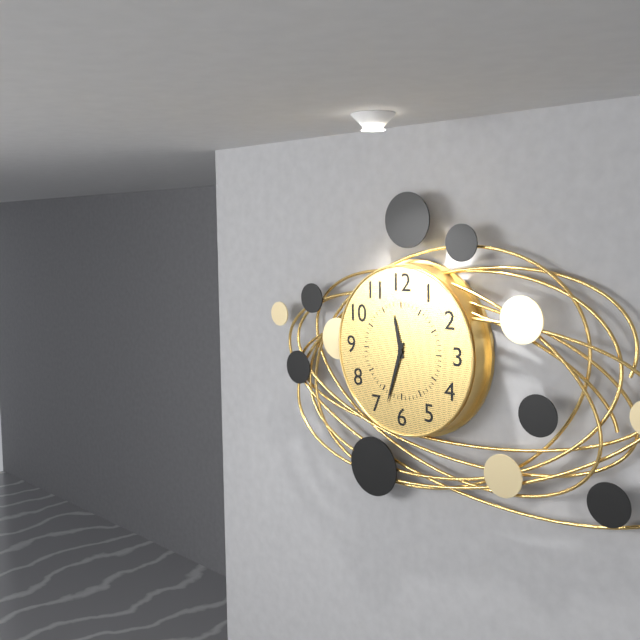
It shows 11 h 33 min
